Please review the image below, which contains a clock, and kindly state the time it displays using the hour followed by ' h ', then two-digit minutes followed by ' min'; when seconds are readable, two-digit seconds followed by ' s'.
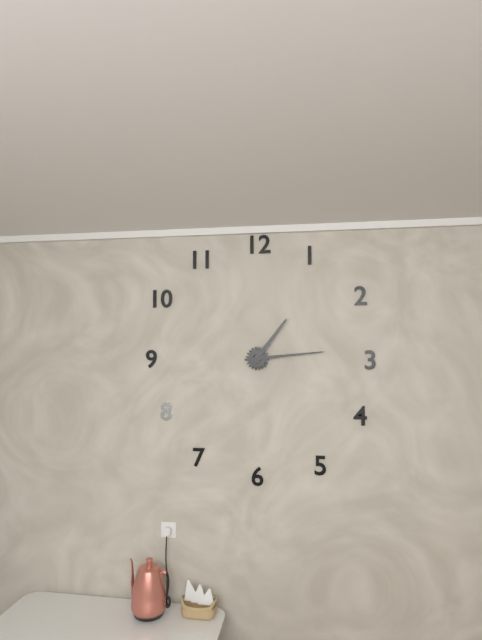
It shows 1 h 14 min
